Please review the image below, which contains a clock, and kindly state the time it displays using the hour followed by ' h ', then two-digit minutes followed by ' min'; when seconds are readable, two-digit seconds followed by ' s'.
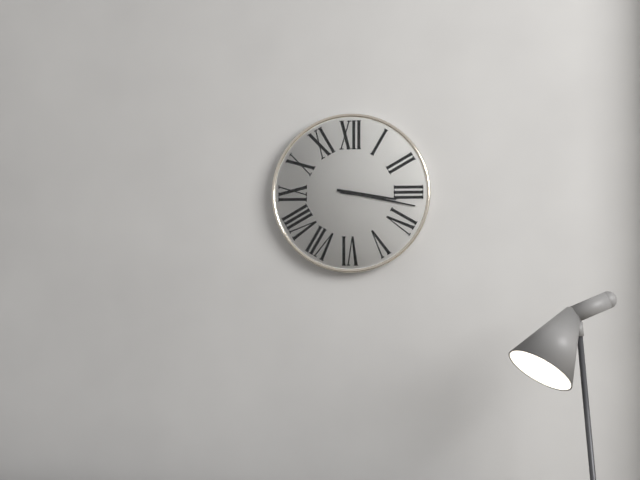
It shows 3 h 17 min
